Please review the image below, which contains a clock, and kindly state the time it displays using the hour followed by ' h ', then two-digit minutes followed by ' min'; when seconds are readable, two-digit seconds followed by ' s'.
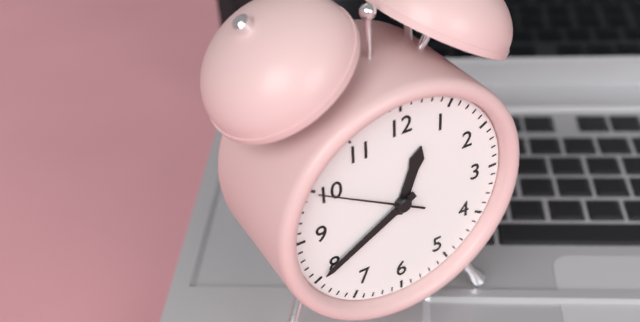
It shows 12 h 40 min 50 s
